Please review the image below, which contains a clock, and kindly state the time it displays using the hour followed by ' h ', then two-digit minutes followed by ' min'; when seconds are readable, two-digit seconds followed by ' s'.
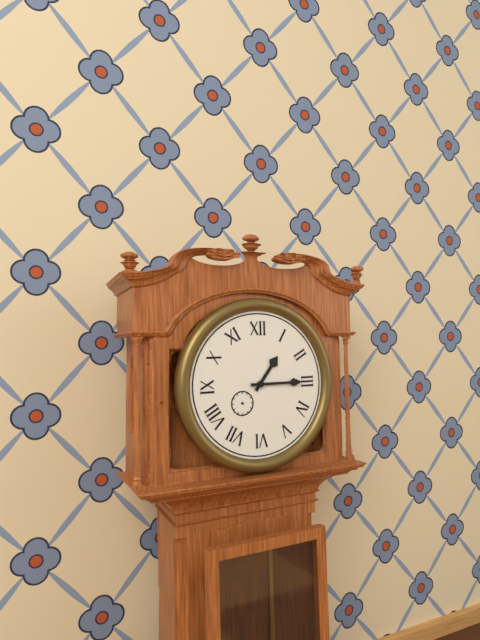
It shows 1 h 15 min
